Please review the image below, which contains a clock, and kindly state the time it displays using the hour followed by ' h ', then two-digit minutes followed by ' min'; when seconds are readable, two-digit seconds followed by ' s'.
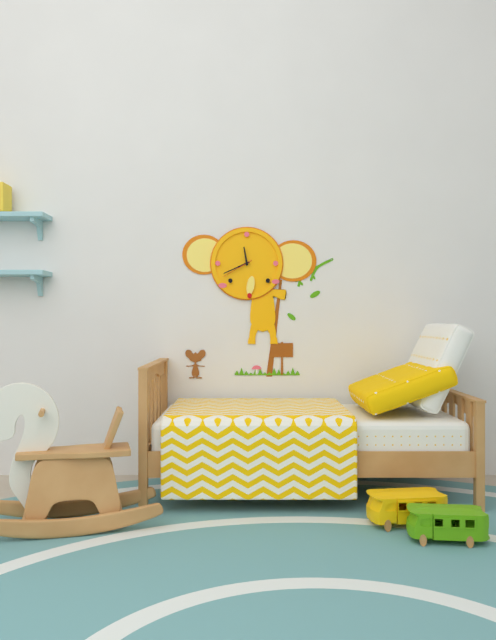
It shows 11 h 41 min
